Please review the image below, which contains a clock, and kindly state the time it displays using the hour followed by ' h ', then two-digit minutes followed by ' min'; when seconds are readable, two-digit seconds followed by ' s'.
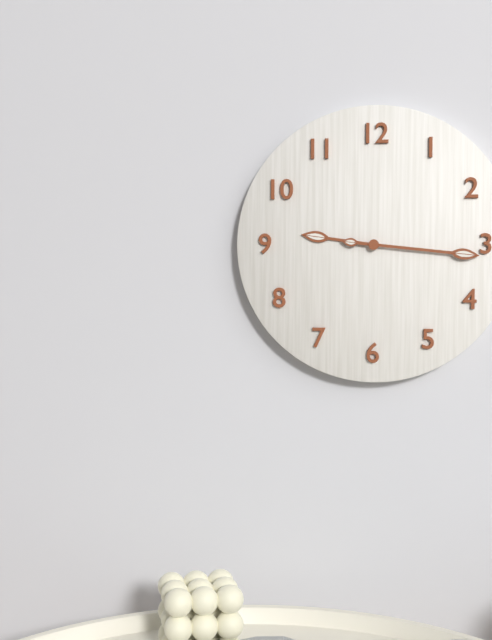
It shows 9 h 16 min
